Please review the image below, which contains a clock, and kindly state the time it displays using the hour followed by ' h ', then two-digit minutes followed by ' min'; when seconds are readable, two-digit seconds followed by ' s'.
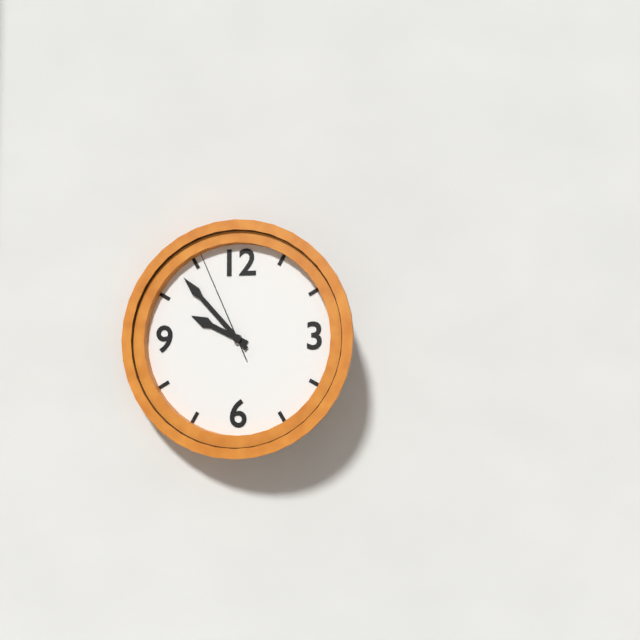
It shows 9 h 53 min 56 s
